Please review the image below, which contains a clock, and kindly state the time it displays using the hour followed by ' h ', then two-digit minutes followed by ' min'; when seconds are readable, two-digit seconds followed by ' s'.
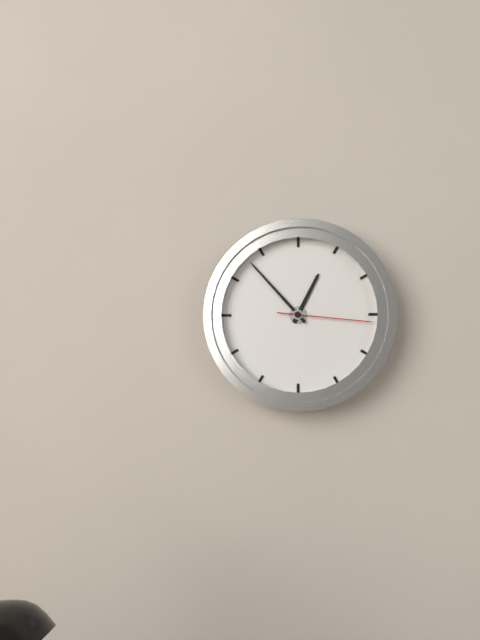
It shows 12 h 53 min 16 s
